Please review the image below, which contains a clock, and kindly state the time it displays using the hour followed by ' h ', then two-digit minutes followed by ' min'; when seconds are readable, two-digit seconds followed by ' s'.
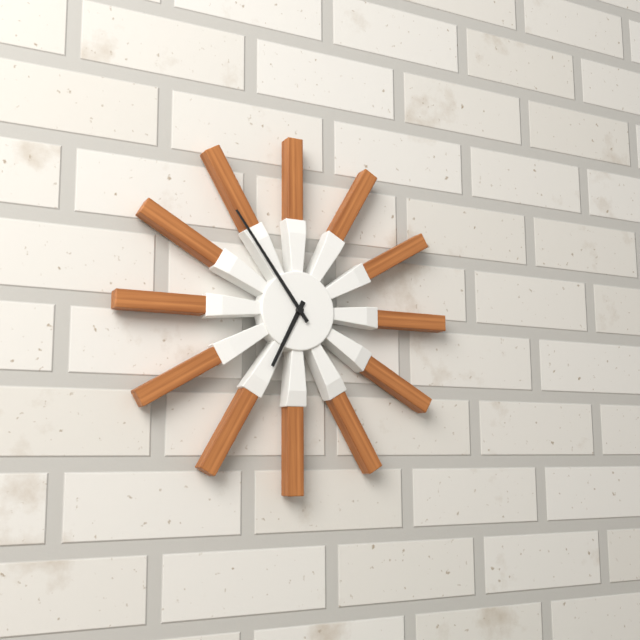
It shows 6 h 54 min
